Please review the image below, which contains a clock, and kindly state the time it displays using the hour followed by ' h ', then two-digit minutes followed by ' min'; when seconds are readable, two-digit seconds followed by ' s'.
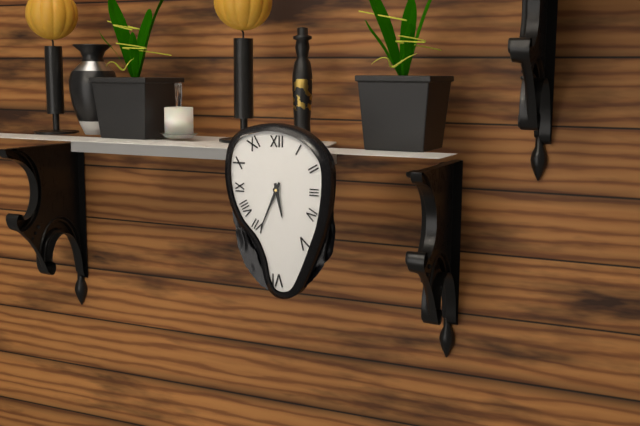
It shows 5 h 34 min
